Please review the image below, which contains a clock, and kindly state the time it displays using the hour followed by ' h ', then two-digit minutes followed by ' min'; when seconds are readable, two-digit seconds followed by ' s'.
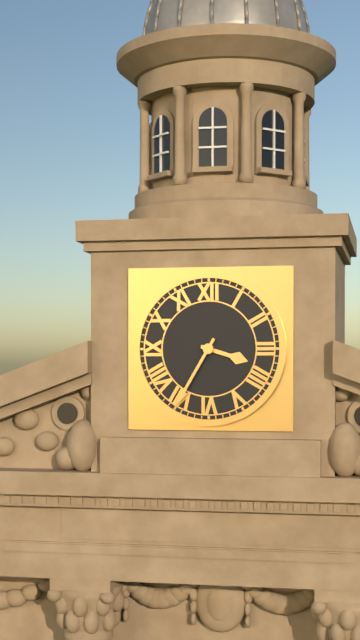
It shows 3 h 35 min
